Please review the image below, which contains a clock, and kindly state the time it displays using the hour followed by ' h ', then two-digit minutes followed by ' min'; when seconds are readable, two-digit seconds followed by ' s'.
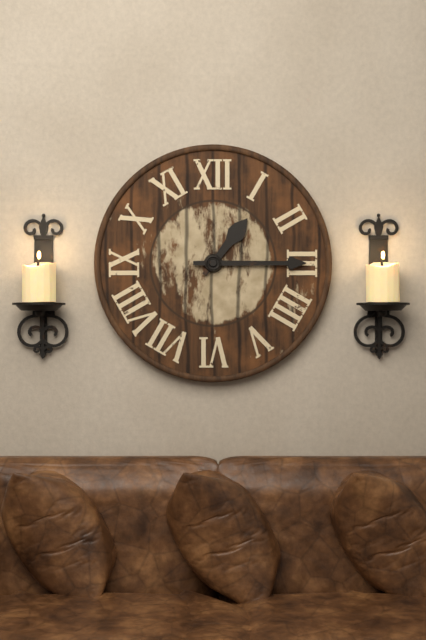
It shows 1 h 15 min
